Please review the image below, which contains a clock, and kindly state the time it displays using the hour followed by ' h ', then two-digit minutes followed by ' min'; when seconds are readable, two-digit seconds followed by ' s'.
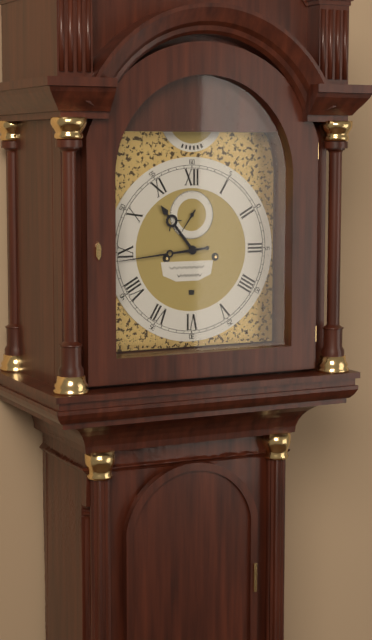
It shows 10 h 44 min
